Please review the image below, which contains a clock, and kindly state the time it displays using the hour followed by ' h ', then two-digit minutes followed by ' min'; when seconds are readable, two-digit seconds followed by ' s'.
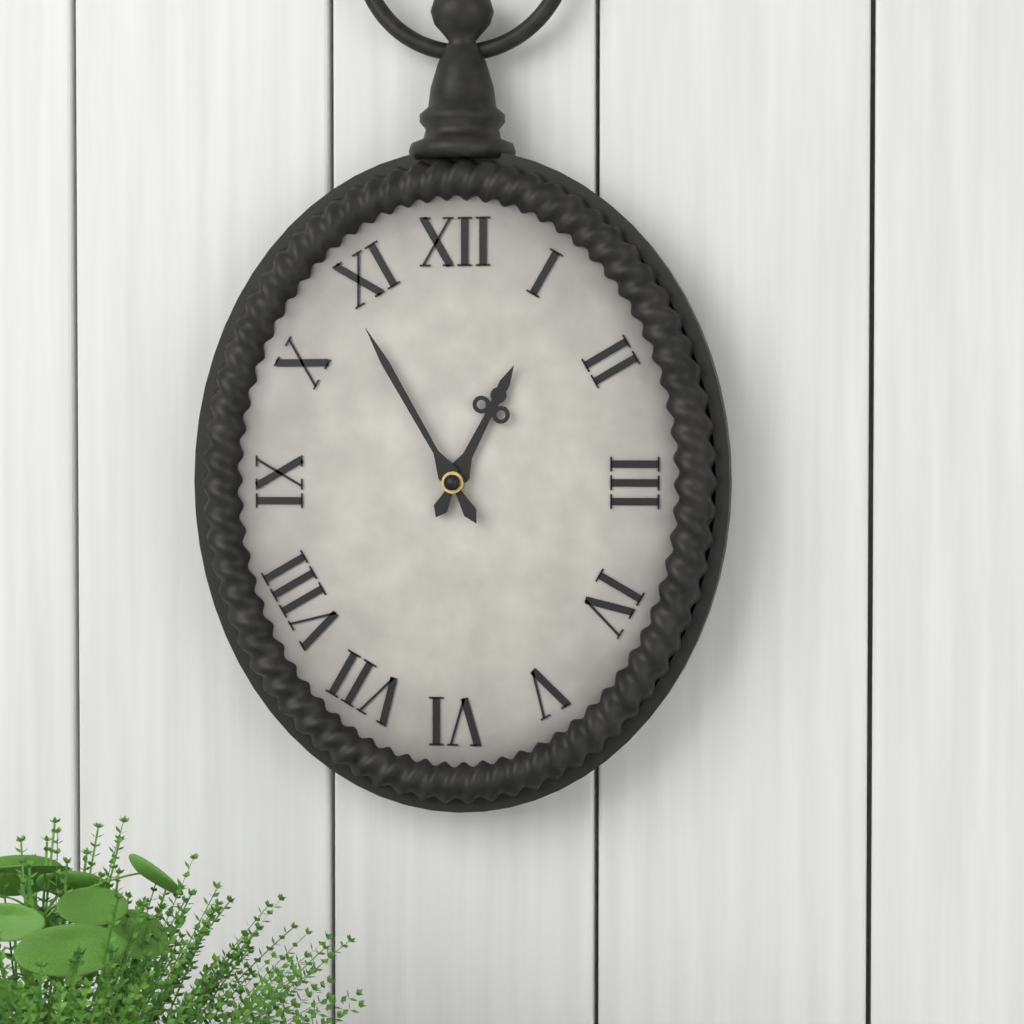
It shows 12 h 55 min
